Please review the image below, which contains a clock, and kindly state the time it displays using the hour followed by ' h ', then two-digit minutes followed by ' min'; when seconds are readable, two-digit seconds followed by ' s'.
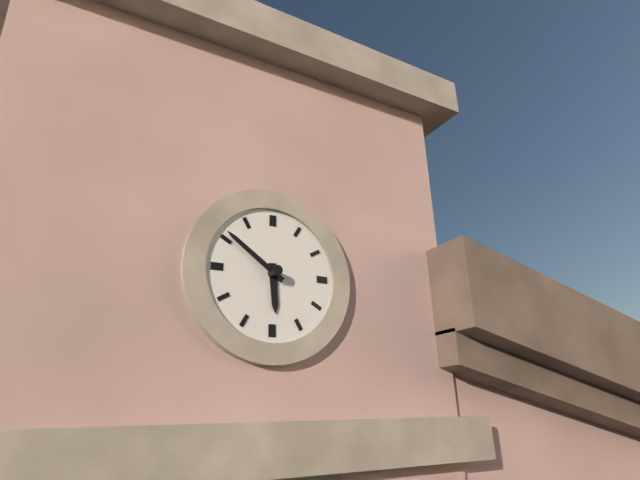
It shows 5 h 51 min
